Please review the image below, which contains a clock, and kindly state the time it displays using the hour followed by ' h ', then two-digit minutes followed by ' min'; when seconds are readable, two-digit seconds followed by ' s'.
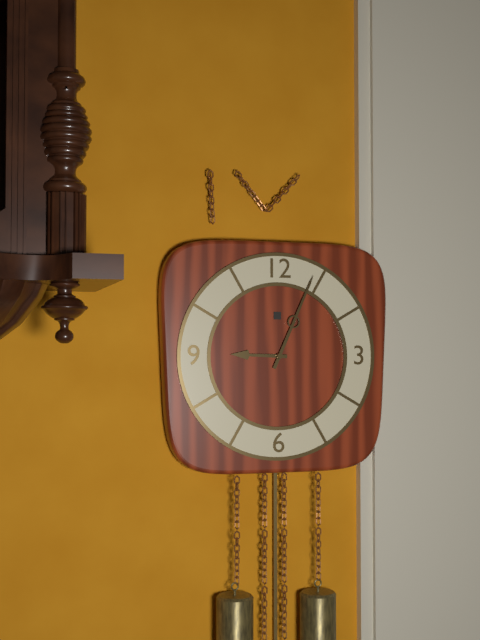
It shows 9 h 04 min
